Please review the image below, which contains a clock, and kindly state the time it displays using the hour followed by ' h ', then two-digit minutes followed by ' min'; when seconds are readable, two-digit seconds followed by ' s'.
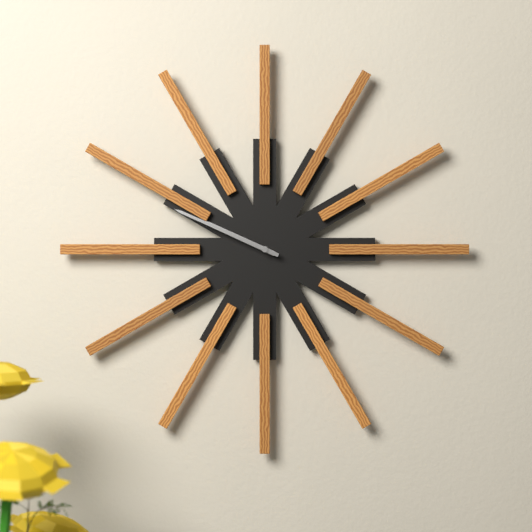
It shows 9 h 49 min
